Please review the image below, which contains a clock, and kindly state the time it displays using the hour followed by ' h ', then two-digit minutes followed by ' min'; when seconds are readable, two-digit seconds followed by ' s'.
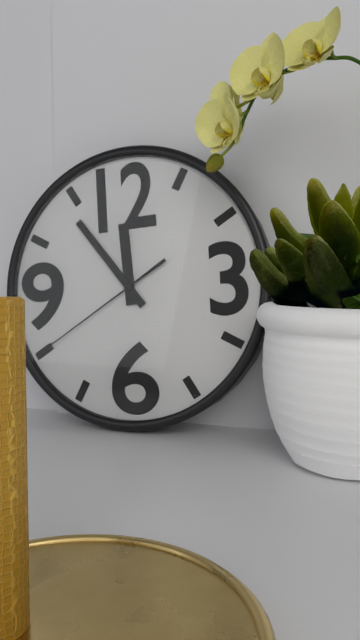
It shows 11 h 54 min 40 s
